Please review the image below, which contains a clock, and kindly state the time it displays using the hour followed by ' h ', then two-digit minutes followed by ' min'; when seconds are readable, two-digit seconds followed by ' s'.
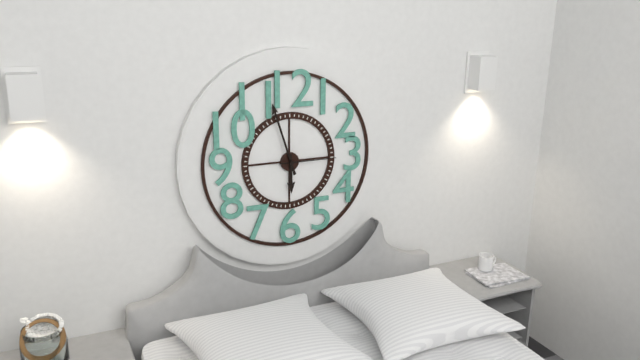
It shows 5 h 57 min 15 s
